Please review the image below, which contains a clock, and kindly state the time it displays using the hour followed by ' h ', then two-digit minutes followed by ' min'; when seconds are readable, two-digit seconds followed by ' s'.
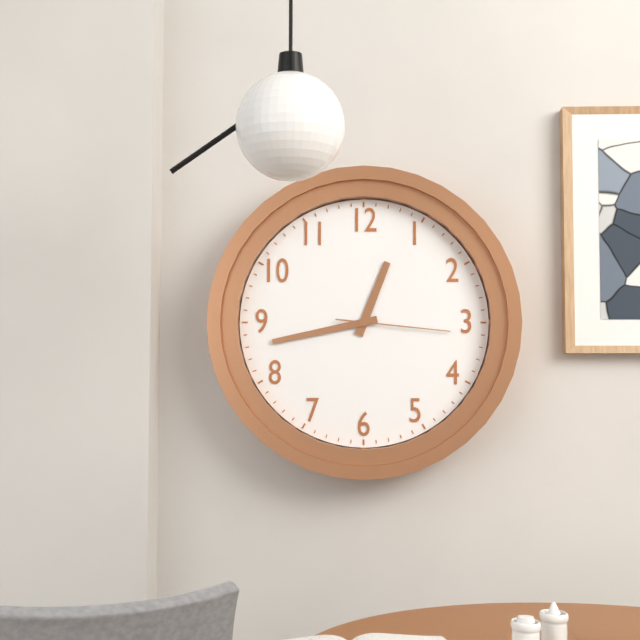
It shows 12 h 43 min 16 s
